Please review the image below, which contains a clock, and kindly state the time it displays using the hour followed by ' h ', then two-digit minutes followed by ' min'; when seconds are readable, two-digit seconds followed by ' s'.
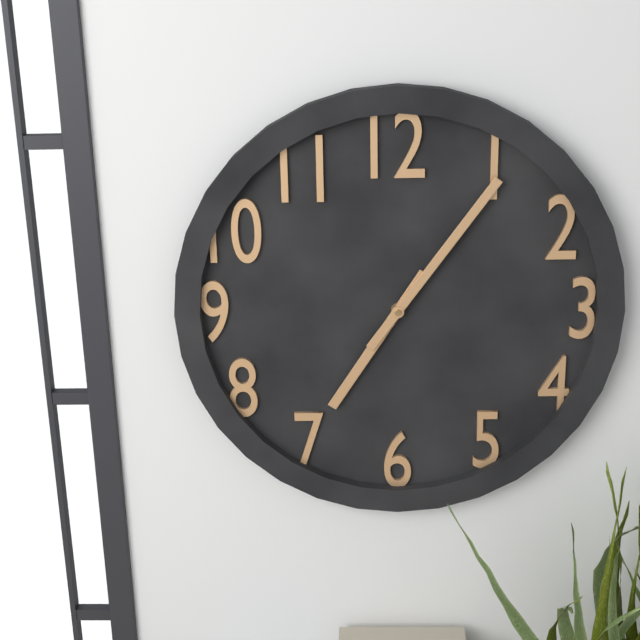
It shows 7 h 06 min
